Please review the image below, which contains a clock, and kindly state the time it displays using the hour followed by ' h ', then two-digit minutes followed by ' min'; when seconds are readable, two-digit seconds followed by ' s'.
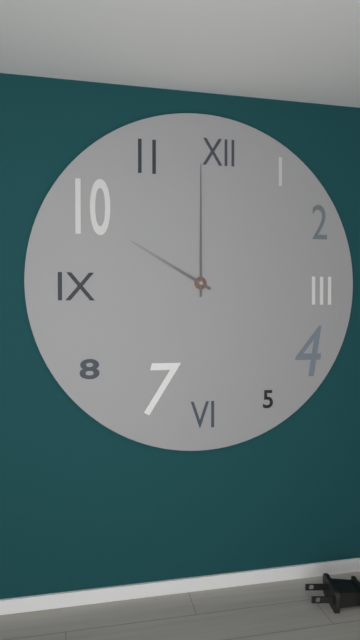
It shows 10 h 00 min
